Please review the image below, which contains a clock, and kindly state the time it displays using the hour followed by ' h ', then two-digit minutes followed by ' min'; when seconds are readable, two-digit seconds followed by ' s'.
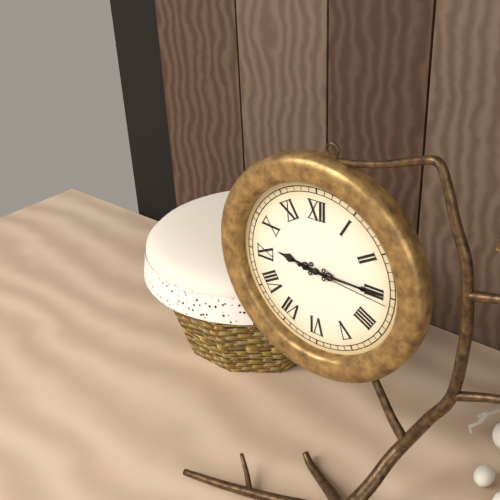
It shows 9 h 15 min 16 s
